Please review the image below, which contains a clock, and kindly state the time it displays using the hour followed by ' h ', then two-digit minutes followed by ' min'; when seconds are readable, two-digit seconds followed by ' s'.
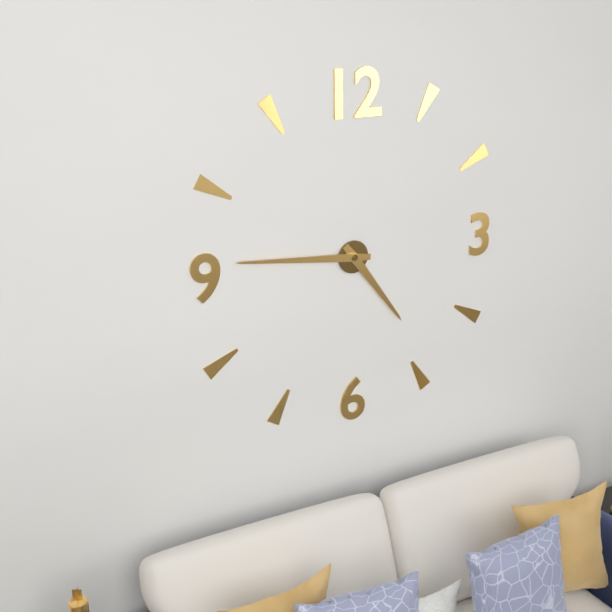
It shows 4 h 46 min
